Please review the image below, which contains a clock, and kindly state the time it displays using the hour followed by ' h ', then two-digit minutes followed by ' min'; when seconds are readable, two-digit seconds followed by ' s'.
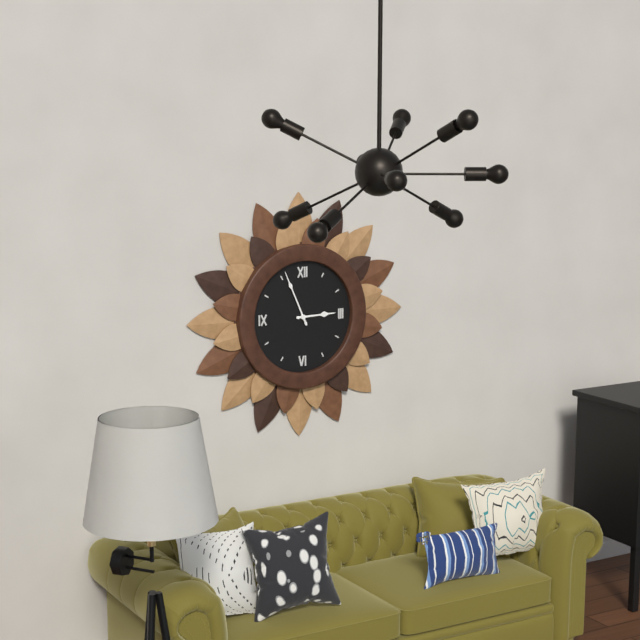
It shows 2 h 56 min
